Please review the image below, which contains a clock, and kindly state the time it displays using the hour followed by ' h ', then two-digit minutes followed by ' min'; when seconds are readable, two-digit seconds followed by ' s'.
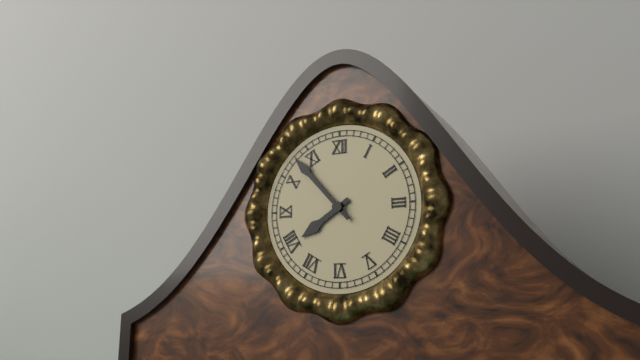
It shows 7 h 53 min
